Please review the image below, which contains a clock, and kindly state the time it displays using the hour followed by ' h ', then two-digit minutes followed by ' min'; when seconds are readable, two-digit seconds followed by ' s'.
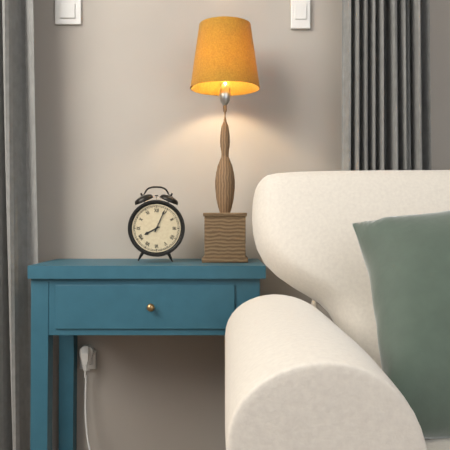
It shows 8 h 04 min
